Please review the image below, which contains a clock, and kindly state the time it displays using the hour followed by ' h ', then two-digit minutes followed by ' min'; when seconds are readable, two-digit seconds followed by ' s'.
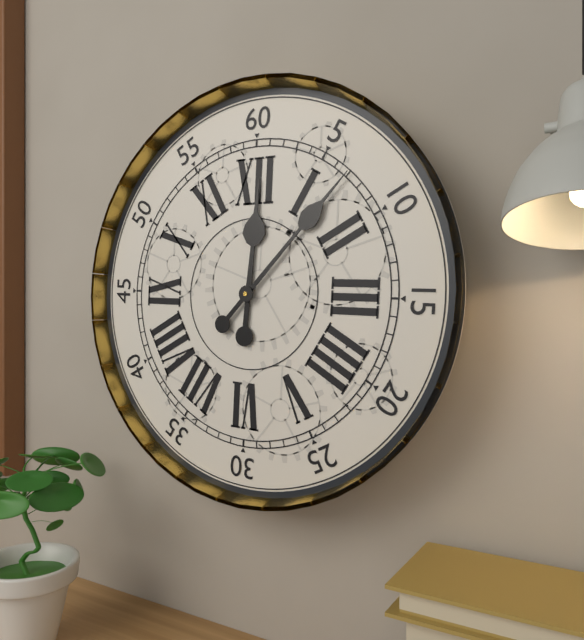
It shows 12 h 07 min
